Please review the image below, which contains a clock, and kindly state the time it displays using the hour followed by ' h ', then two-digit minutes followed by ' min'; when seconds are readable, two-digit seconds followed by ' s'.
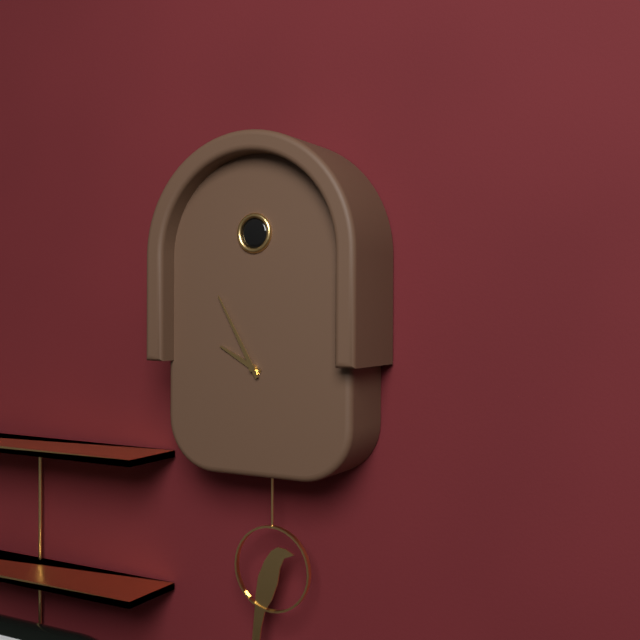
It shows 9 h 55 min
